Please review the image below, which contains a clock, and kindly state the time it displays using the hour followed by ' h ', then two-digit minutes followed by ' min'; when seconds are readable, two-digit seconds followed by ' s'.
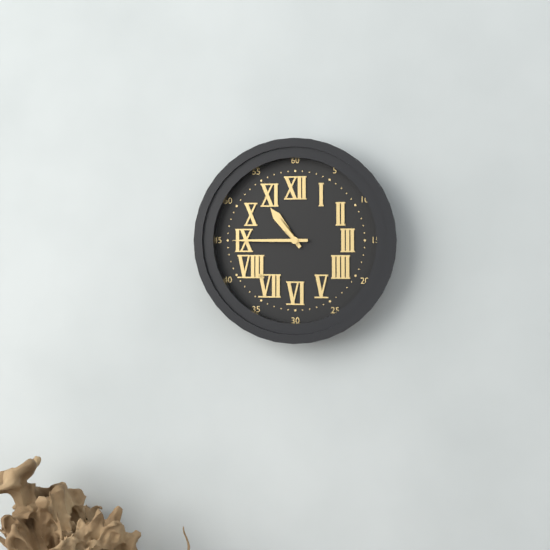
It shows 10 h 45 min
